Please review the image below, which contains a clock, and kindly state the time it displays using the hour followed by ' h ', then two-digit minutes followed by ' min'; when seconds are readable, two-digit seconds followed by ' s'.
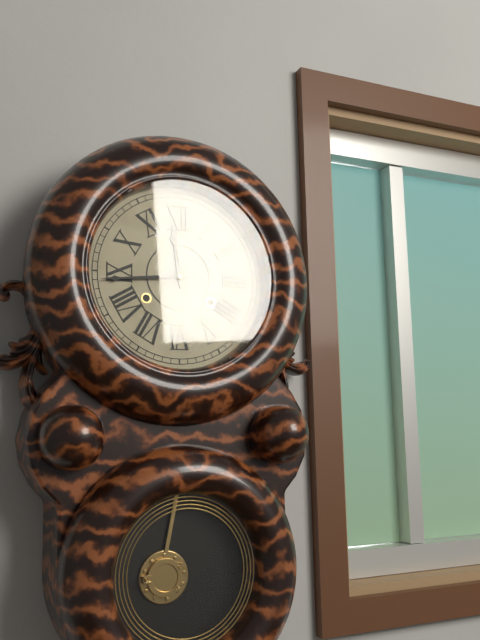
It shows 11 h 44 min
